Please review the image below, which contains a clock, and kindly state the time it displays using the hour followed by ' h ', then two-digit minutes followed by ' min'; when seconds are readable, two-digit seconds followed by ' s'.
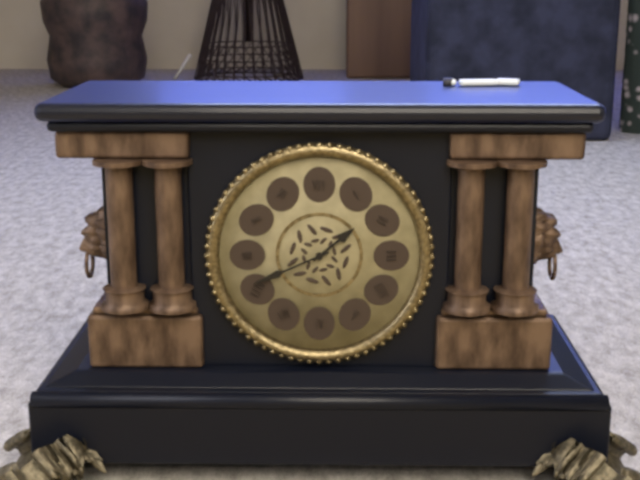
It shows 1 h 41 min
